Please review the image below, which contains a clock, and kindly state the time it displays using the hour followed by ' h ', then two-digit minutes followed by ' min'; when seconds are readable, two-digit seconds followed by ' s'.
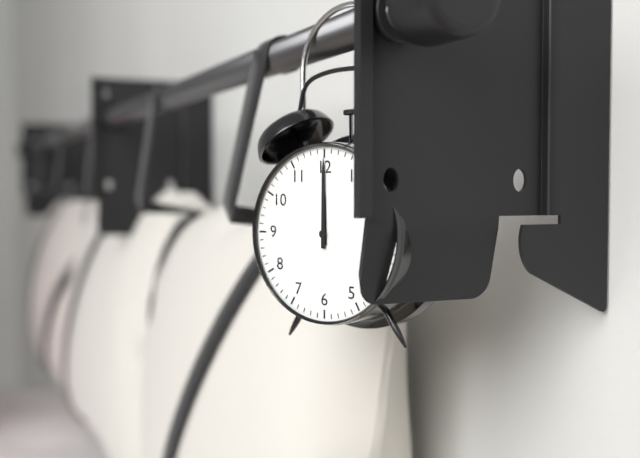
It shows 12 h 00 min
